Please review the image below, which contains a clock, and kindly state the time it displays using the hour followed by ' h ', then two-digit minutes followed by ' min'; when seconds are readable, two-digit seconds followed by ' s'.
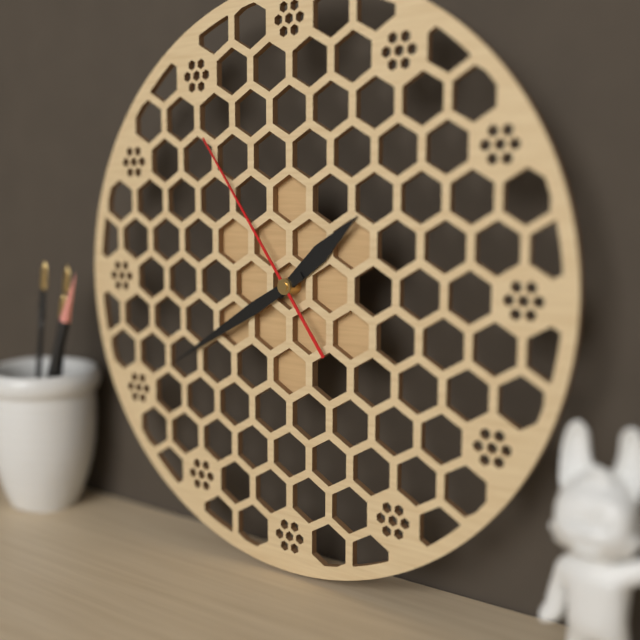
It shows 1 h 40 min 54 s
